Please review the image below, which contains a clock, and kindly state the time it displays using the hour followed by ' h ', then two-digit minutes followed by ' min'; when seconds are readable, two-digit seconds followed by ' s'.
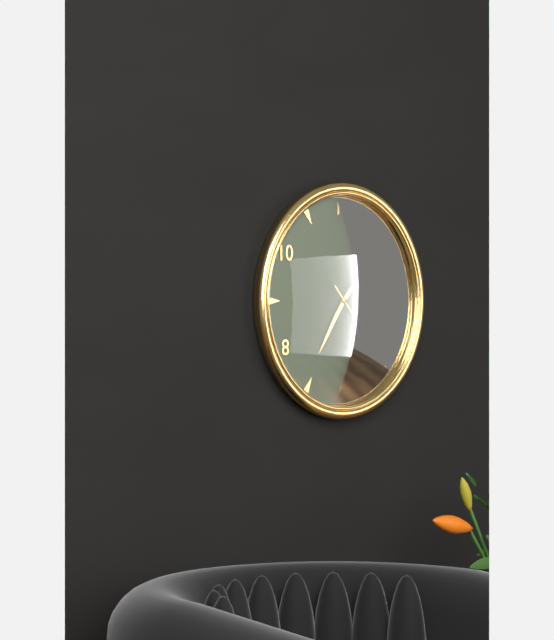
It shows 7 h 07 min 23 s
